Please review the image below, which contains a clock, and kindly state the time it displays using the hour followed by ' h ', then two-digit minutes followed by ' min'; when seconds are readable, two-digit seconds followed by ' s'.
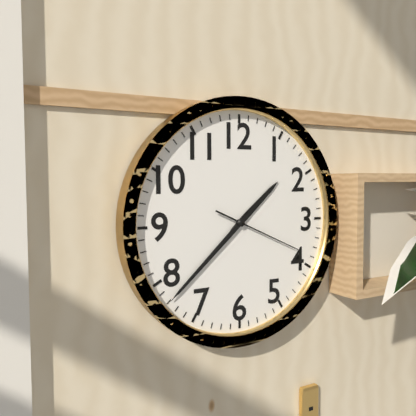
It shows 1 h 38 min 19 s
